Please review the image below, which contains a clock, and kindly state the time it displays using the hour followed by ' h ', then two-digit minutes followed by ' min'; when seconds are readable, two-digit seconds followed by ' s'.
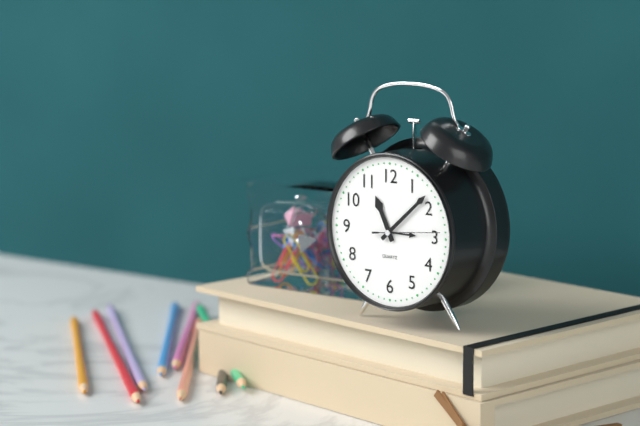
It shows 11 h 08 min 14 s
